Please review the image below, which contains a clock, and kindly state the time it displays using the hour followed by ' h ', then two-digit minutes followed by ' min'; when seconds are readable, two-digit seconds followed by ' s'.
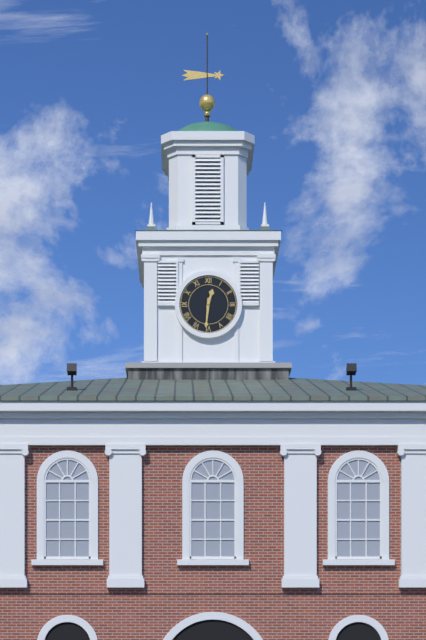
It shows 12 h 31 min
